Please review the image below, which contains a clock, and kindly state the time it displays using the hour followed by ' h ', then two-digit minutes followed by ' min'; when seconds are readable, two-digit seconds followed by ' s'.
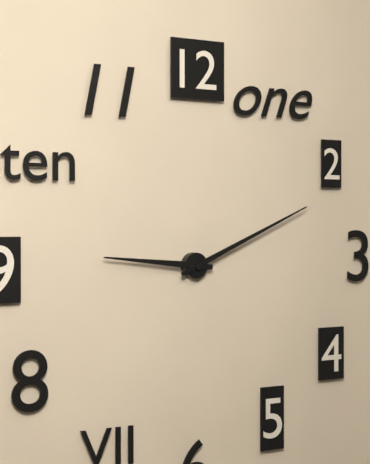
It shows 9 h 11 min
